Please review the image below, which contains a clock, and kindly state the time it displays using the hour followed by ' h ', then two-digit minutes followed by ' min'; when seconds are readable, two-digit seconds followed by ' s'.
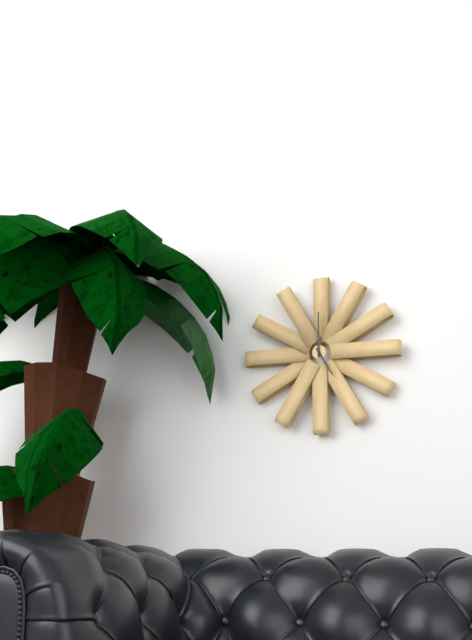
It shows 5 h 00 min
